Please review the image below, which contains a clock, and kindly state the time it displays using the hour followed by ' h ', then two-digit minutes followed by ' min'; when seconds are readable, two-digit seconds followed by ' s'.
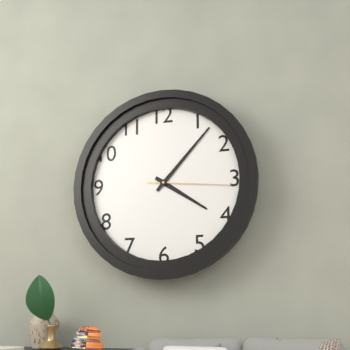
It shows 4 h 07 min 16 s
